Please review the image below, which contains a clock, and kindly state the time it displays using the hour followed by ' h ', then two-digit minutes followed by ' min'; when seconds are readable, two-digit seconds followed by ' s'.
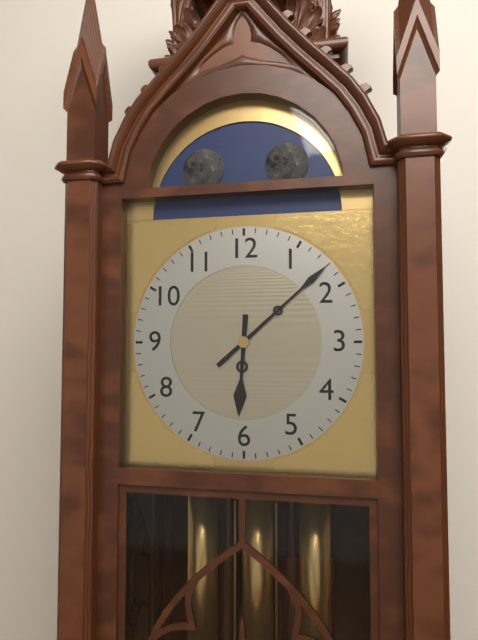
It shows 6 h 08 min
